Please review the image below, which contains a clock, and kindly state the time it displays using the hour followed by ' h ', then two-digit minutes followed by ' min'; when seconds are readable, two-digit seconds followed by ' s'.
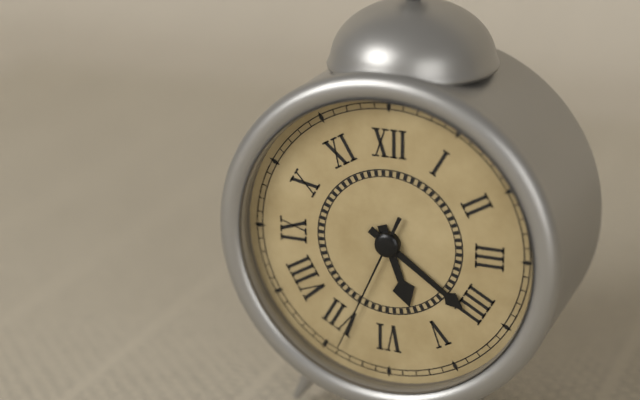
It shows 5 h 21 min 34 s
